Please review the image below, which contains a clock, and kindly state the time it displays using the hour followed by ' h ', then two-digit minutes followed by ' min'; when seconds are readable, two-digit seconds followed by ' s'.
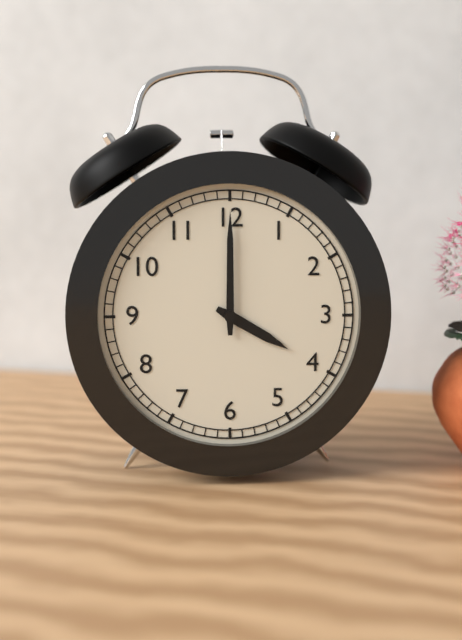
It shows 4 h 00 min
